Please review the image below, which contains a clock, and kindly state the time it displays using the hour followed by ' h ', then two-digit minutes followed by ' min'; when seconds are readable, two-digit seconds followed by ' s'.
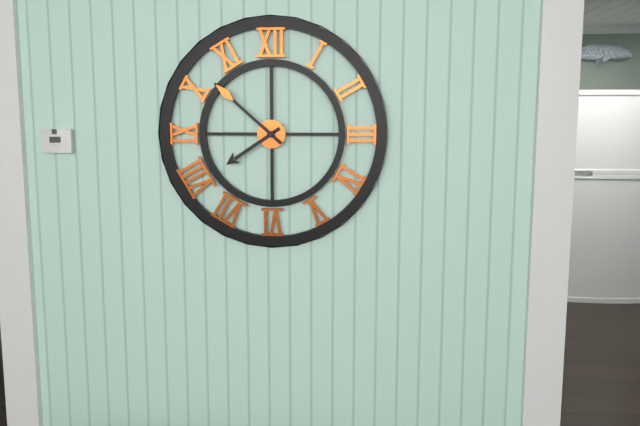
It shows 7 h 52 min
